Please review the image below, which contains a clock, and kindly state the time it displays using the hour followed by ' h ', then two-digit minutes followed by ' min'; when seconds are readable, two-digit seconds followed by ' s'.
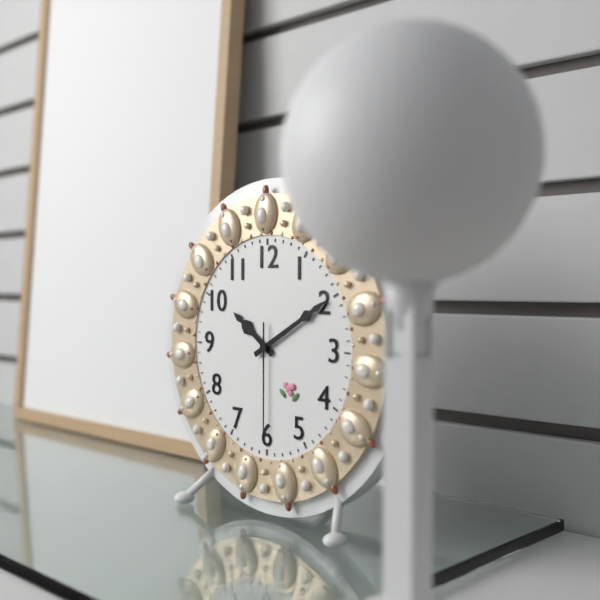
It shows 10 h 10 min 30 s
